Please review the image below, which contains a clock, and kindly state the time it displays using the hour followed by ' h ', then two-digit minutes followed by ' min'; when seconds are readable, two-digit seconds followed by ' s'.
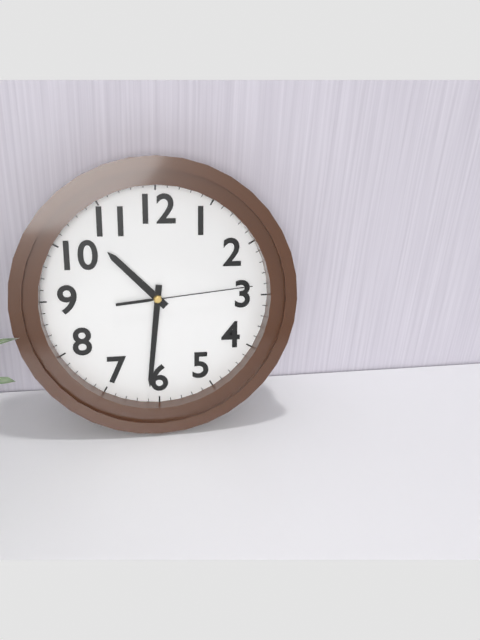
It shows 10 h 31 min 14 s
